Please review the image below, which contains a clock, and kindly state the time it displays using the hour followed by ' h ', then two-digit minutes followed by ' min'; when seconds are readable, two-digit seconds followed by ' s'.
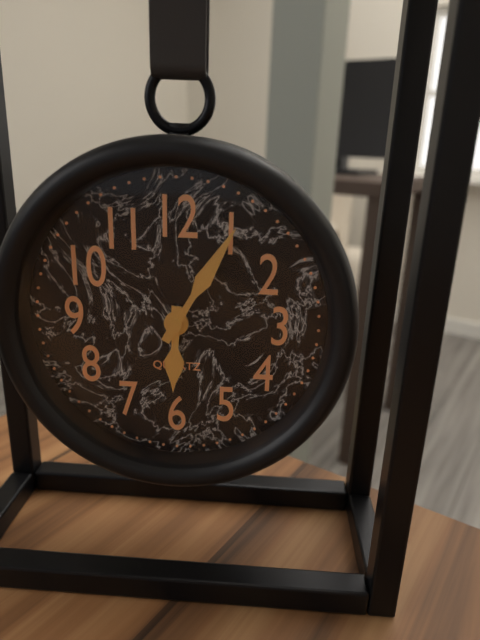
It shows 6 h 05 min
